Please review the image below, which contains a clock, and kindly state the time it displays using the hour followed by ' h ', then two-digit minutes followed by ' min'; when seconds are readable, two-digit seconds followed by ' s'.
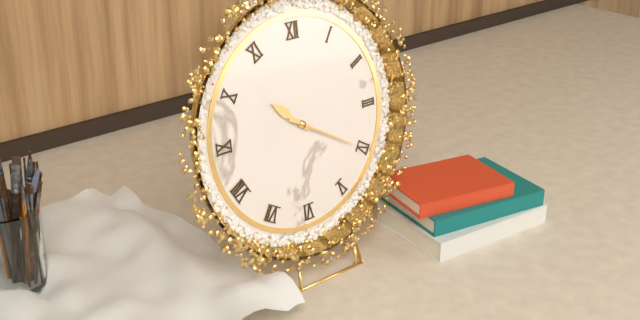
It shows 10 h 20 min
